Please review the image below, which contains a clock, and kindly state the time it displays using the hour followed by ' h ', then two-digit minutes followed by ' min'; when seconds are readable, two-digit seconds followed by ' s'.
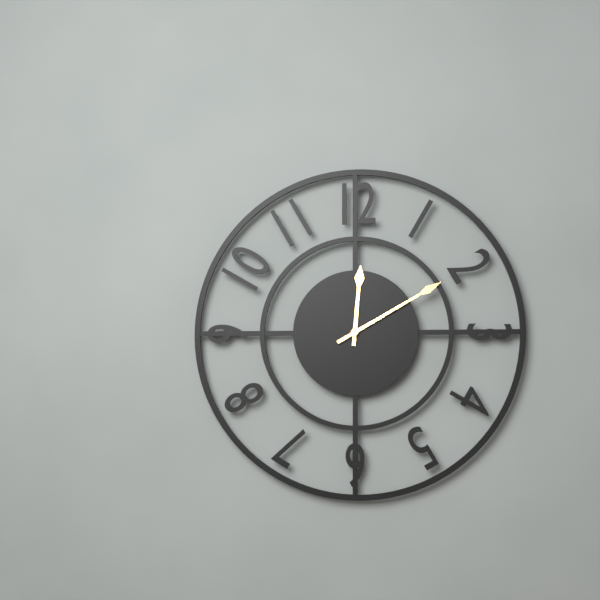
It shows 12 h 10 min
